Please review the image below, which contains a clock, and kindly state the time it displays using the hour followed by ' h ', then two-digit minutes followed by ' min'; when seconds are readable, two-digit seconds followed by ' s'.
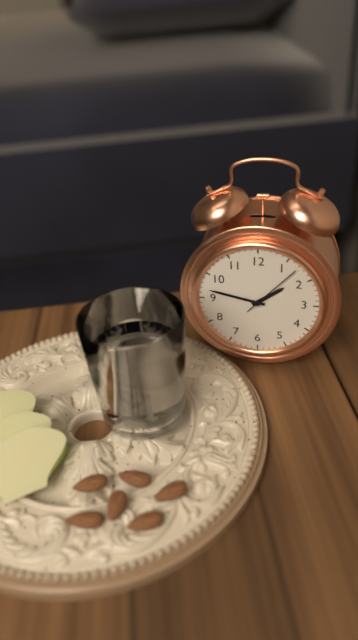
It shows 1 h 47 min 07 s
